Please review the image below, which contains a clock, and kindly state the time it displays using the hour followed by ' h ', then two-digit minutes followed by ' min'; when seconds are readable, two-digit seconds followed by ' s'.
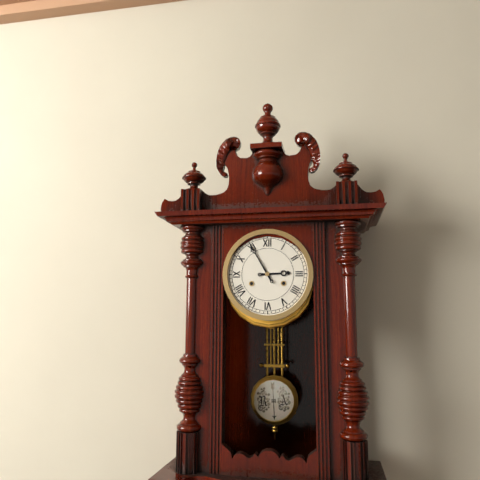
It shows 2 h 55 min
